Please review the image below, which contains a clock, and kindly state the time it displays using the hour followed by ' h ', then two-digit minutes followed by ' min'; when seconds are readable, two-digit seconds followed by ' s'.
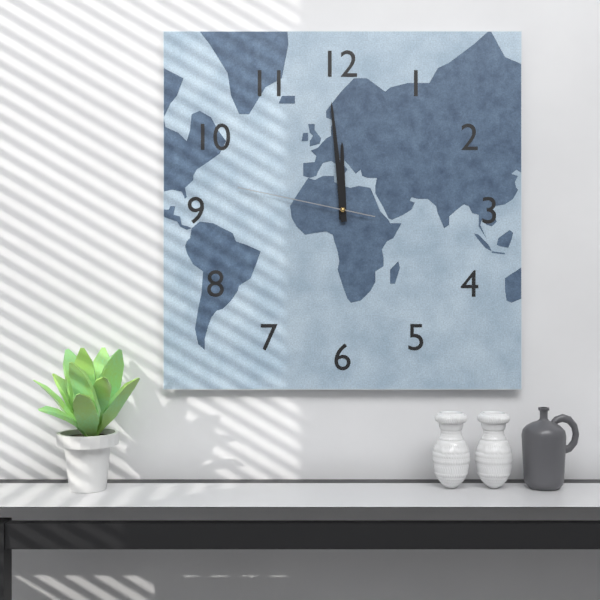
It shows 11 h 59 min 47 s
